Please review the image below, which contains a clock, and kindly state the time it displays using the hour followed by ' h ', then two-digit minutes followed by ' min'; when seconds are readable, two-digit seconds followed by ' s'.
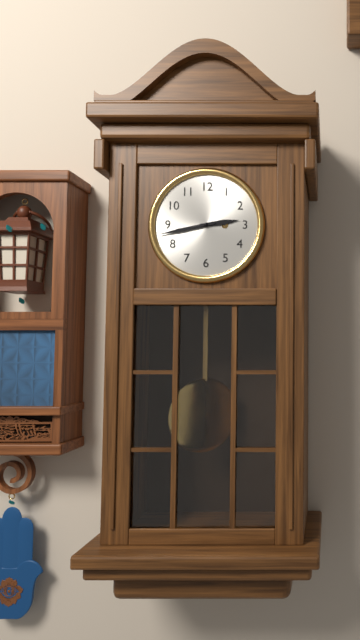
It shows 2 h 43 min
